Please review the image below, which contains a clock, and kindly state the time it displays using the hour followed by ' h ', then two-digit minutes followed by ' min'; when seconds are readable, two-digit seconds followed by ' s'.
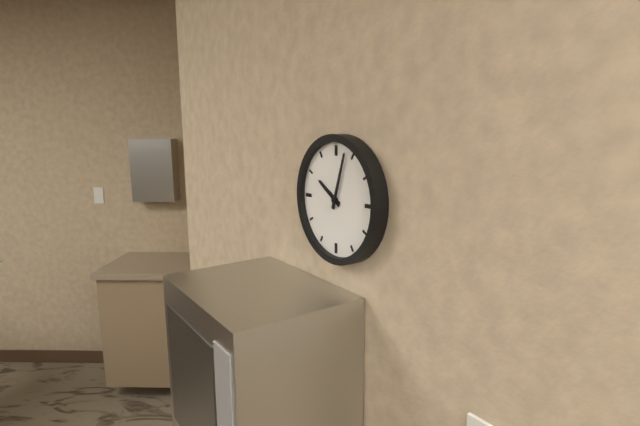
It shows 10 h 03 min
